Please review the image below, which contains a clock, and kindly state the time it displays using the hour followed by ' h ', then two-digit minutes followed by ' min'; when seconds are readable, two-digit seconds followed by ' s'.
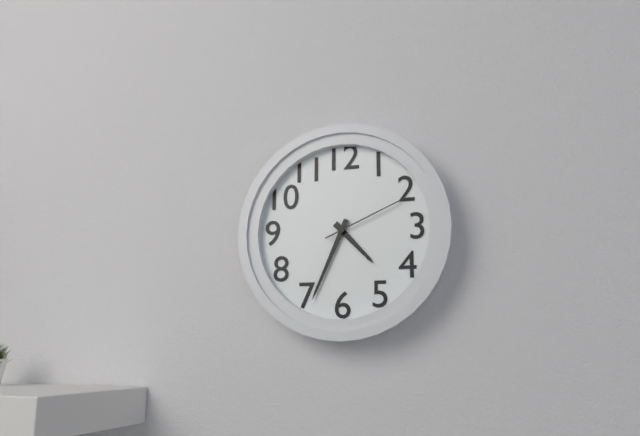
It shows 4 h 34 min 11 s
